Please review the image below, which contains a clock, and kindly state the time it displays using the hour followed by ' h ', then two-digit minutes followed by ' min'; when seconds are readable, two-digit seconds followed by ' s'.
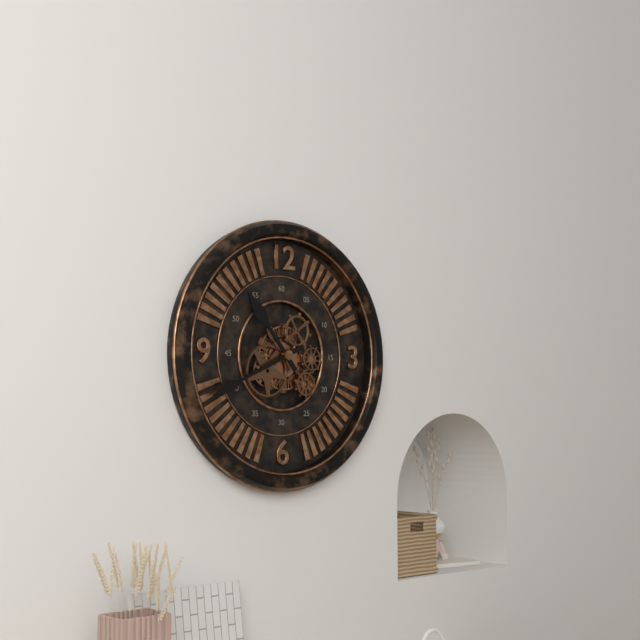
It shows 10 h 41 min
